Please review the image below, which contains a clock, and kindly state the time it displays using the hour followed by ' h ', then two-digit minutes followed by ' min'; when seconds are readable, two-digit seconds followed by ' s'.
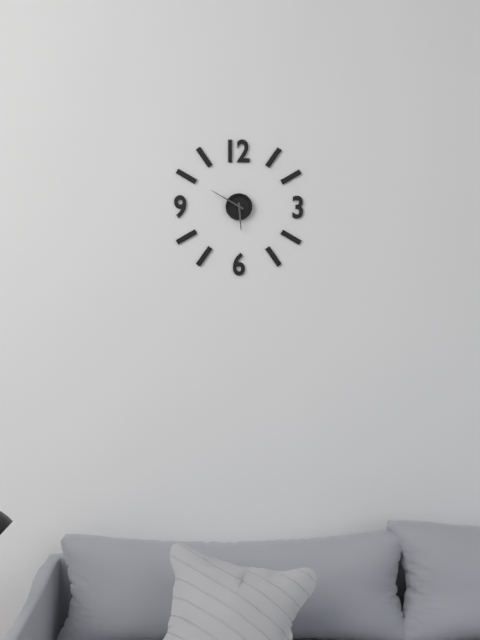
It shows 5 h 50 min
